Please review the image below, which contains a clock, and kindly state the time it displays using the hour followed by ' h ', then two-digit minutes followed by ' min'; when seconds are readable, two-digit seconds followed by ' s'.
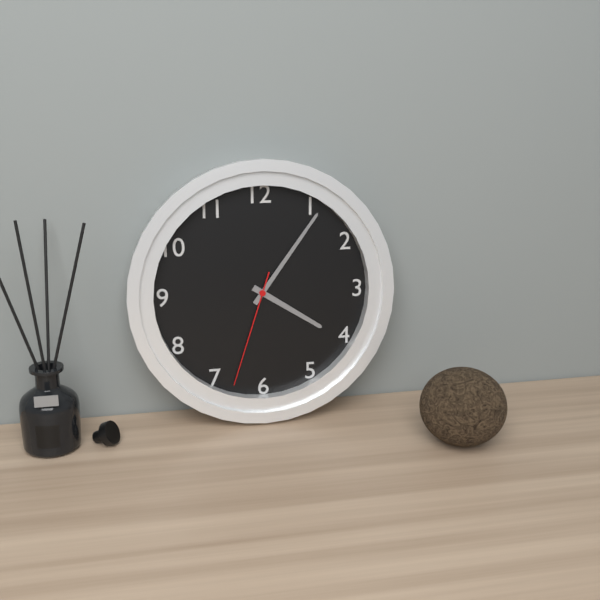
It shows 4 h 06 min 33 s
